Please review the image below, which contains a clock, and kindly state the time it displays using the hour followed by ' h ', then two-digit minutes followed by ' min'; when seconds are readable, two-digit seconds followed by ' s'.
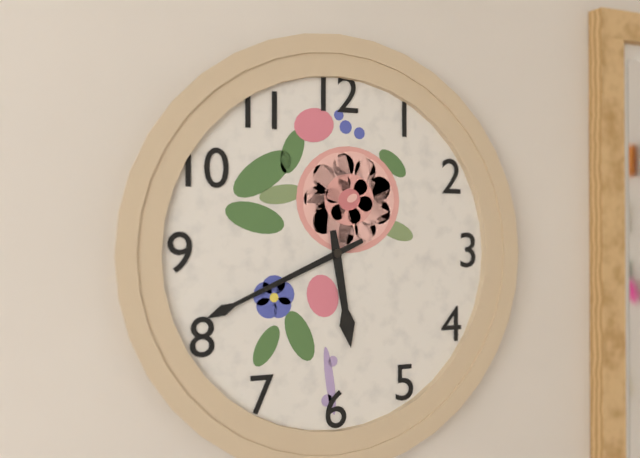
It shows 5 h 41 min
